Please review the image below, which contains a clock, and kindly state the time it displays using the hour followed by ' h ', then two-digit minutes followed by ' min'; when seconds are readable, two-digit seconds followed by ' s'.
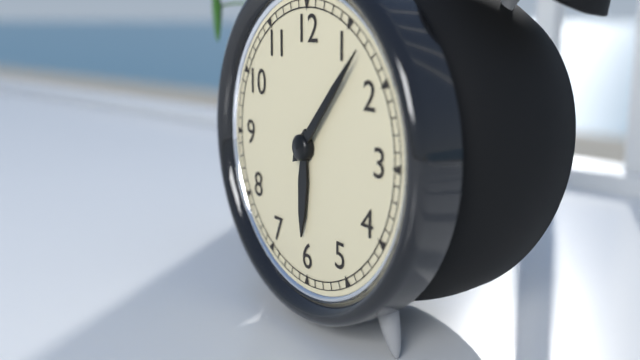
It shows 6 h 07 min
